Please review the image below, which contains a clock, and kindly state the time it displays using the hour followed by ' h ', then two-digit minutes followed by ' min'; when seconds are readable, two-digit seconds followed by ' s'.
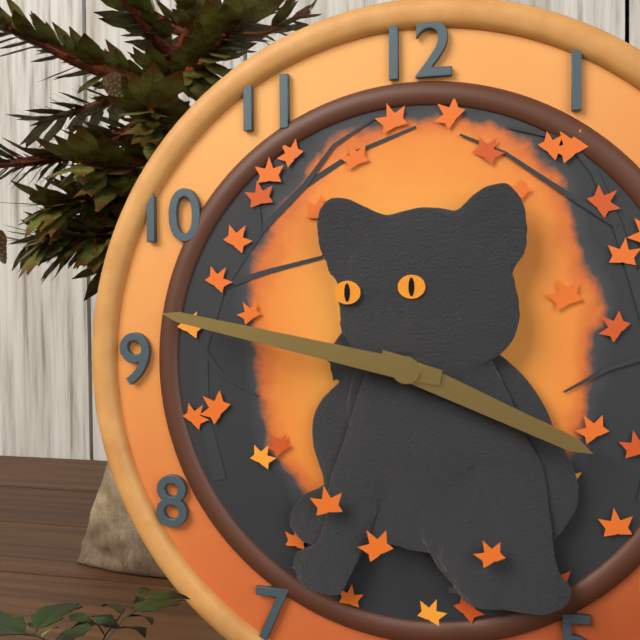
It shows 3 h 47 min
